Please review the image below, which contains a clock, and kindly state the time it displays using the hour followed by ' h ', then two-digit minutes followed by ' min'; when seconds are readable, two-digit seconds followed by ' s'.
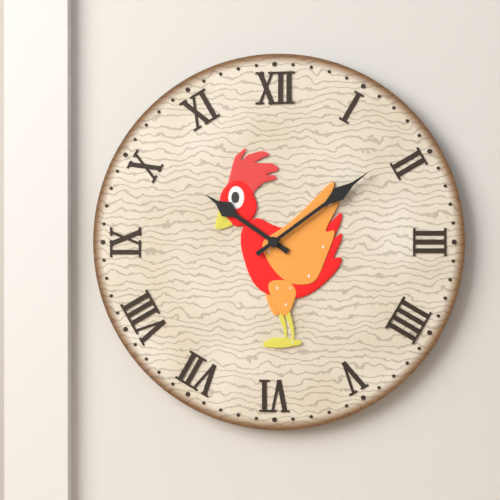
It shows 10 h 09 min
